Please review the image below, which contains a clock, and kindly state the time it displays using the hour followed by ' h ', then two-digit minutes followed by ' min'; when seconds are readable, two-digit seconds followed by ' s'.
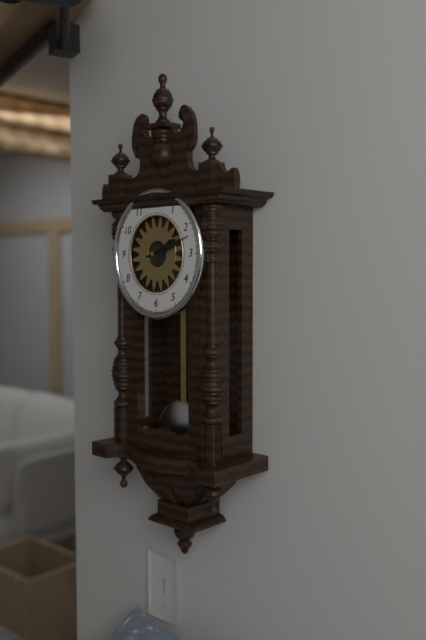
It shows 2 h 12 min
